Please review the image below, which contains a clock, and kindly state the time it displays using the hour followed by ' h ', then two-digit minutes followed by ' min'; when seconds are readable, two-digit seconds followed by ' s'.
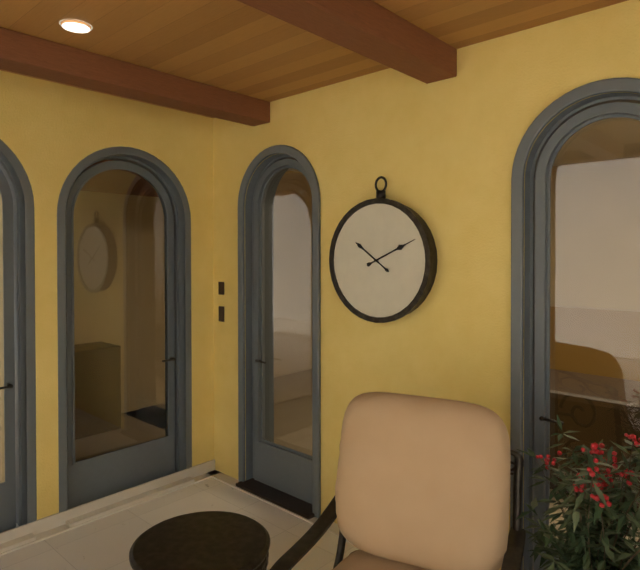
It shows 10 h 11 min
